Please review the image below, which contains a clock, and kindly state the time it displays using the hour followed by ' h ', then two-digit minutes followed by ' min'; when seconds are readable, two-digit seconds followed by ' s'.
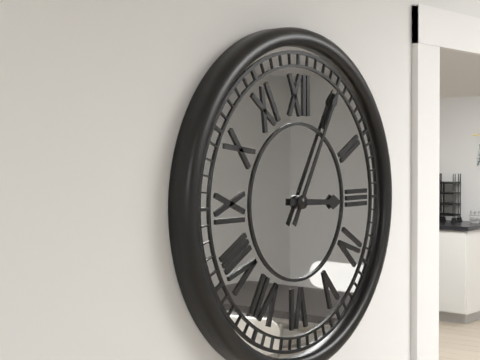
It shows 3 h 05 min
